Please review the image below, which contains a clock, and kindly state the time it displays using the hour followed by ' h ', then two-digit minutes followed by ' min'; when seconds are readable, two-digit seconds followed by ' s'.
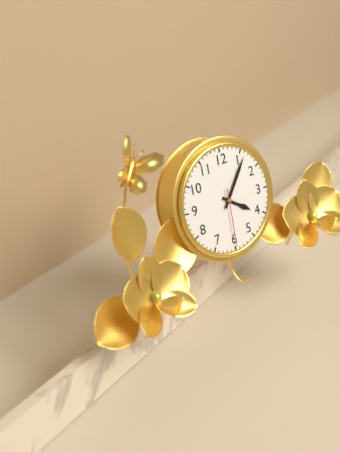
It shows 4 h 06 min 30 s
